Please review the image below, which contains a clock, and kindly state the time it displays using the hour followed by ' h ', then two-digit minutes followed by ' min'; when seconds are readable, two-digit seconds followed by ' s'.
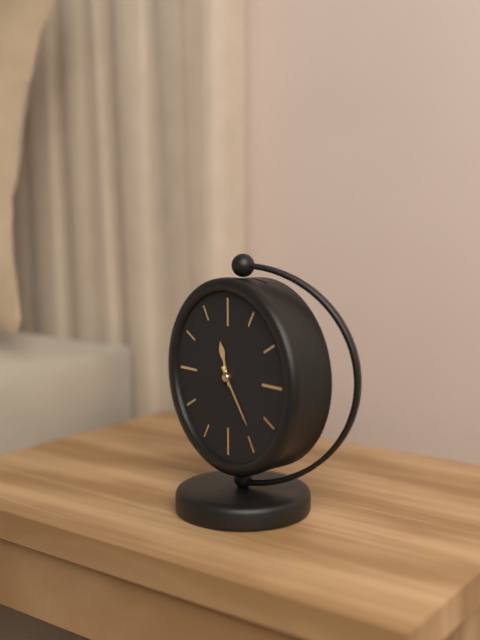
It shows 11 h 24 min
